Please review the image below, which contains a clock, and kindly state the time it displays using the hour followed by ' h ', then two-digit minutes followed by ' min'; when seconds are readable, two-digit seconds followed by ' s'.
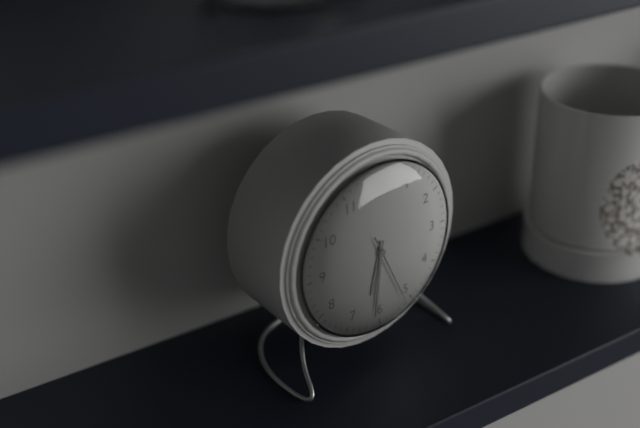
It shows 6 h 31 min 26 s
